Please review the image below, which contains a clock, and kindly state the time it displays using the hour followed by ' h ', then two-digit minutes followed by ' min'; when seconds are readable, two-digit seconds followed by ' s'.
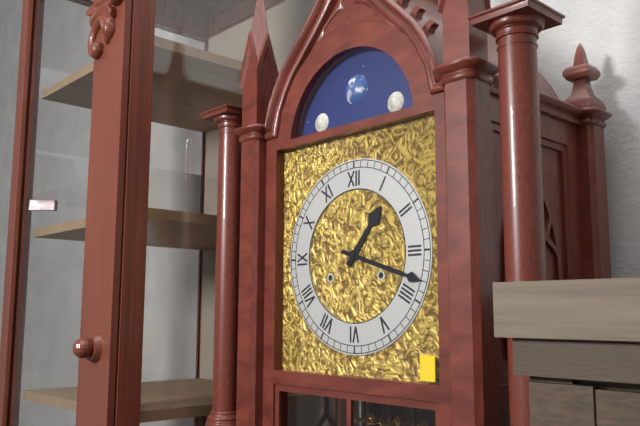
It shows 1 h 18 min
